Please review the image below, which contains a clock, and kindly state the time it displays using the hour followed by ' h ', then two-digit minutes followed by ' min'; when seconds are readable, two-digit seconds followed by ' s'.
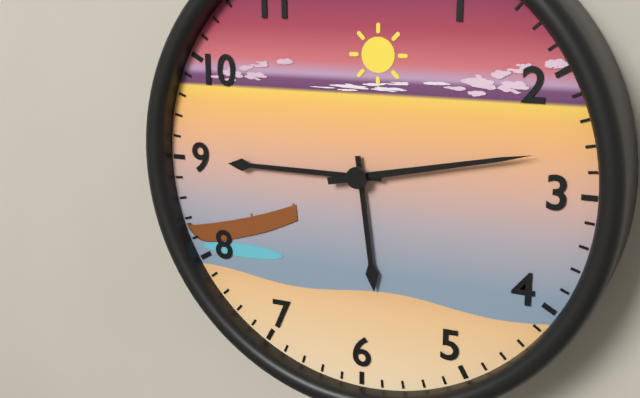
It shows 5 h 45 min 13 s
